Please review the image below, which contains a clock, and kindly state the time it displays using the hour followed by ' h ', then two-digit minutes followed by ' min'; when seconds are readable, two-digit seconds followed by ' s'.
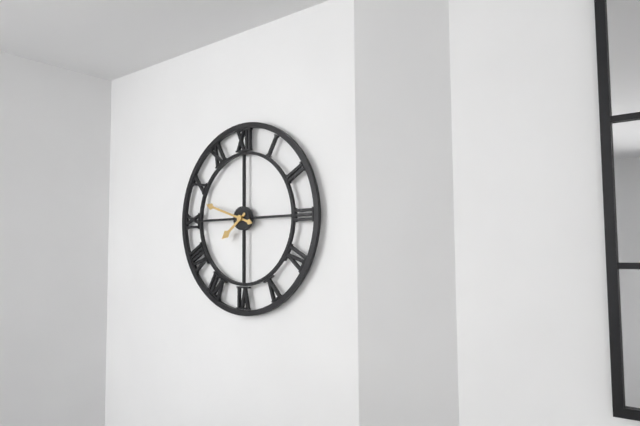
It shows 7 h 48 min
